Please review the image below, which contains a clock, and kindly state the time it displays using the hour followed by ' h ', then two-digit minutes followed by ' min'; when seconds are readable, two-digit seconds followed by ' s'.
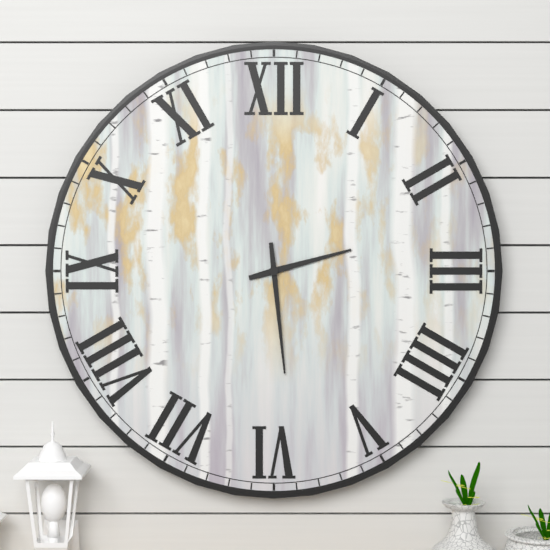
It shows 2 h 29 min
